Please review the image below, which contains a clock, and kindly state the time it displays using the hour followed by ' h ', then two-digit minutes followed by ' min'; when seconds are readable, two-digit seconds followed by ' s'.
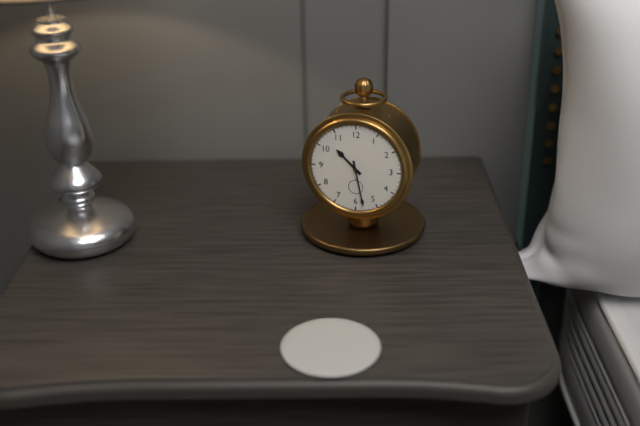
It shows 10 h 28 min
